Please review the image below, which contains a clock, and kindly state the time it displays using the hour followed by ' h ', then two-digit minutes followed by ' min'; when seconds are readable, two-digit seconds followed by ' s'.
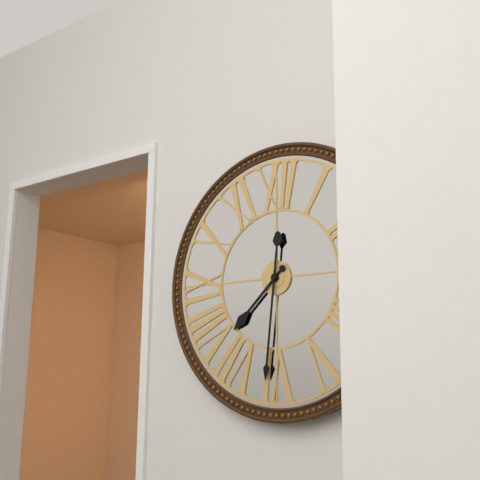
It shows 7 h 31 min
